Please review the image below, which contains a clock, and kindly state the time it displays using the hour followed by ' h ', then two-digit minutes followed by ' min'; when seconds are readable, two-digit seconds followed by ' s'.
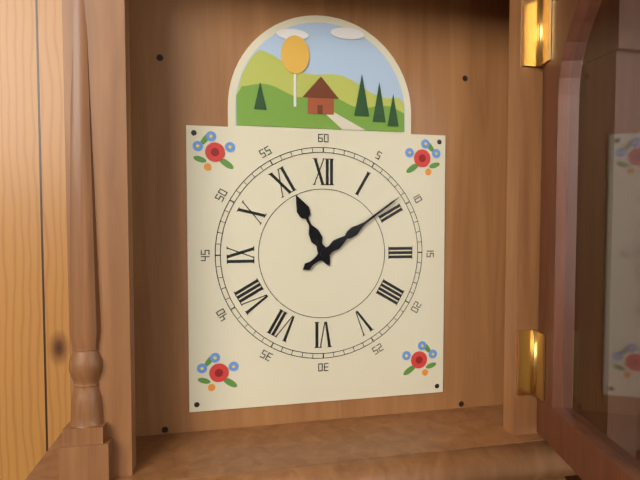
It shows 11 h 09 min
